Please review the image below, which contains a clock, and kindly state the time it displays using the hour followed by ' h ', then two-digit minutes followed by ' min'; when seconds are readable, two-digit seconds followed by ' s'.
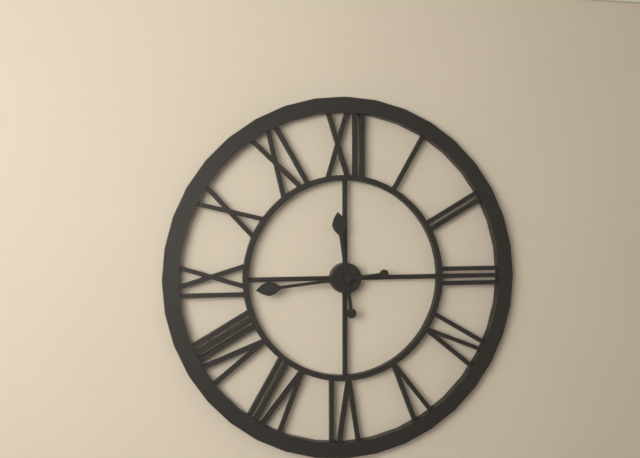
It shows 11 h 44 min
